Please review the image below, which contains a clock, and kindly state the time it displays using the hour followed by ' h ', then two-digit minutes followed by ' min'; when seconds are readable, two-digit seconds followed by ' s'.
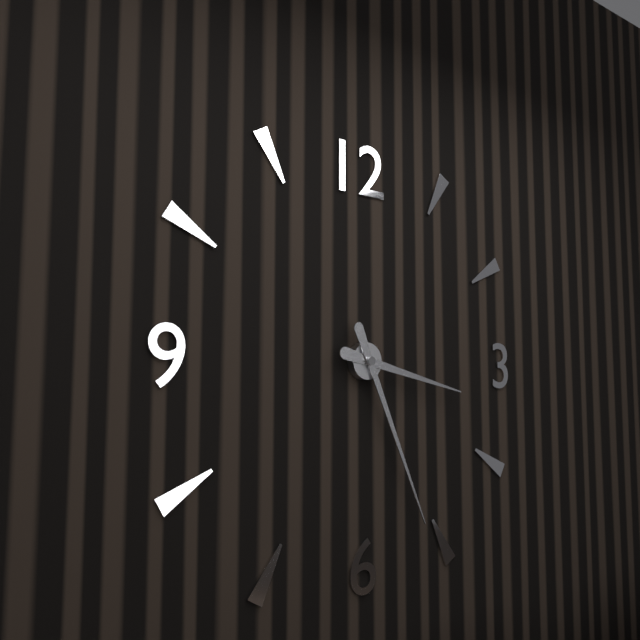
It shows 3 h 26 min
